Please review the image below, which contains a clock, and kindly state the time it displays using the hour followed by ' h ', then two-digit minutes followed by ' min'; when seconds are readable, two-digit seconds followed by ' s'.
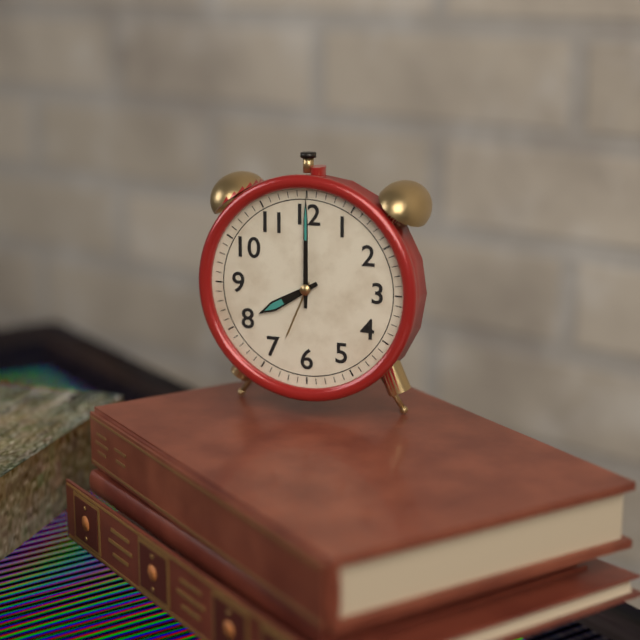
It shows 8 h 00 min
